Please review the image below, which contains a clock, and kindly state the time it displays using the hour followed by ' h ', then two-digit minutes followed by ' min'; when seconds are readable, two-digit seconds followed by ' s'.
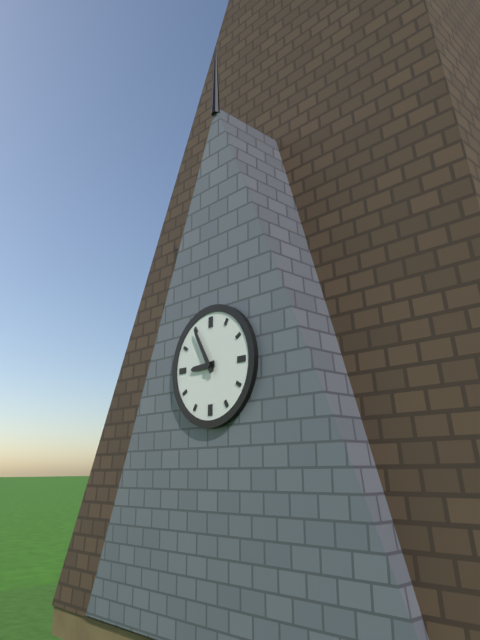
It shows 8 h 55 min
